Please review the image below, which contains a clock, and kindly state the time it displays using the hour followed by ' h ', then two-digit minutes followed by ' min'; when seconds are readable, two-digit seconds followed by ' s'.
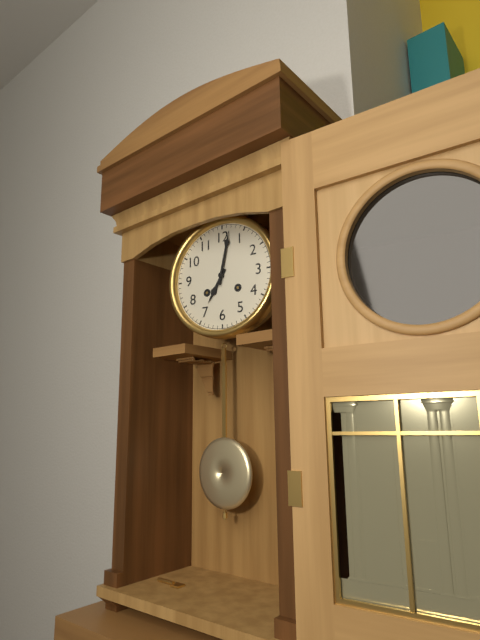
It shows 7 h 02 min
